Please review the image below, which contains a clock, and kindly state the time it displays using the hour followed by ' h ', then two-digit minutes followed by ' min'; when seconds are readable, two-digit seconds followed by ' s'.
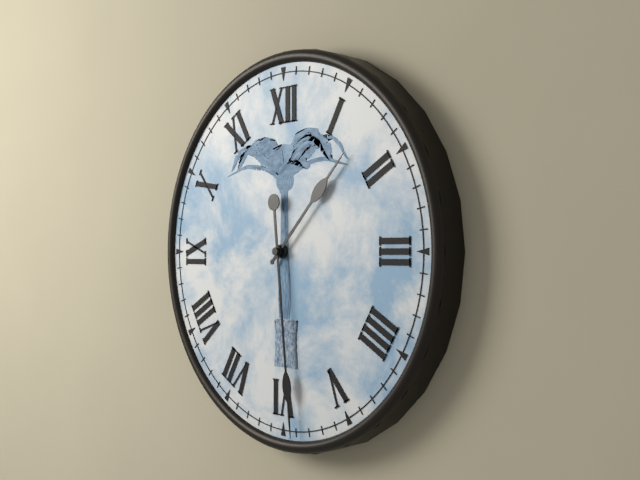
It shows 1 h 29 min
